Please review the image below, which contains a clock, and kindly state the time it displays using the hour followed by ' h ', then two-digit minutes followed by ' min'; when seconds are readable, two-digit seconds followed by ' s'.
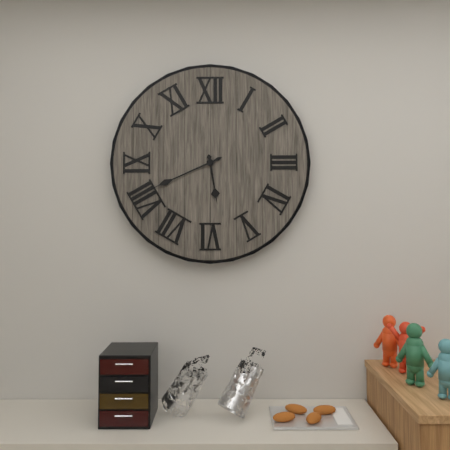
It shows 5 h 41 min
